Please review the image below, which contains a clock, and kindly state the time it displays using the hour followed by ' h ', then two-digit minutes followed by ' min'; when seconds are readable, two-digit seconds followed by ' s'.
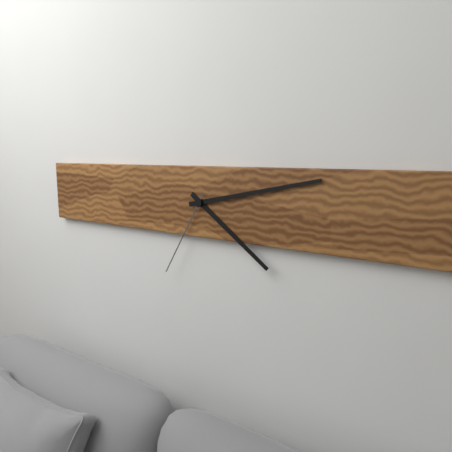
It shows 4 h 13 min 35 s
